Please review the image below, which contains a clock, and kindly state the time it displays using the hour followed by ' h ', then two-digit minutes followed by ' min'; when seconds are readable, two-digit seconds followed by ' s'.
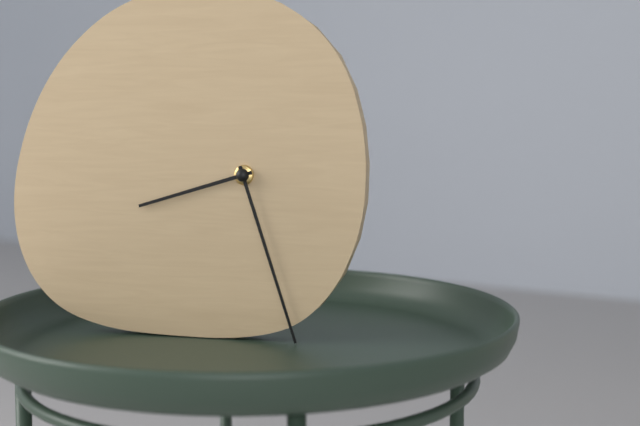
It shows 8 h 27 min
